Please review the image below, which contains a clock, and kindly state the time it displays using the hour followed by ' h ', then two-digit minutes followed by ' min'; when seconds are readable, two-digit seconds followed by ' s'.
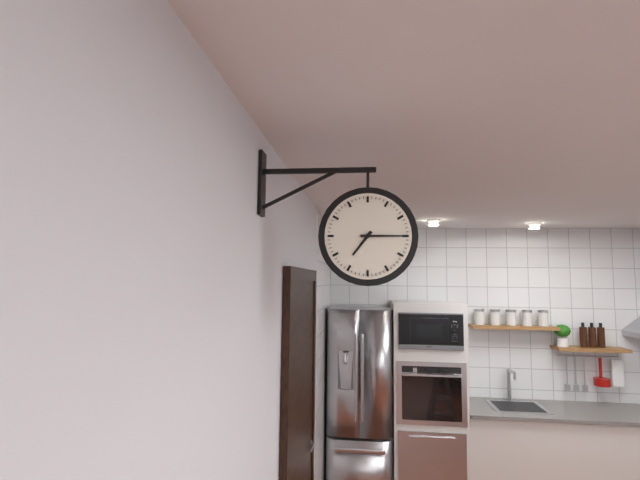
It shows 7 h 15 min
